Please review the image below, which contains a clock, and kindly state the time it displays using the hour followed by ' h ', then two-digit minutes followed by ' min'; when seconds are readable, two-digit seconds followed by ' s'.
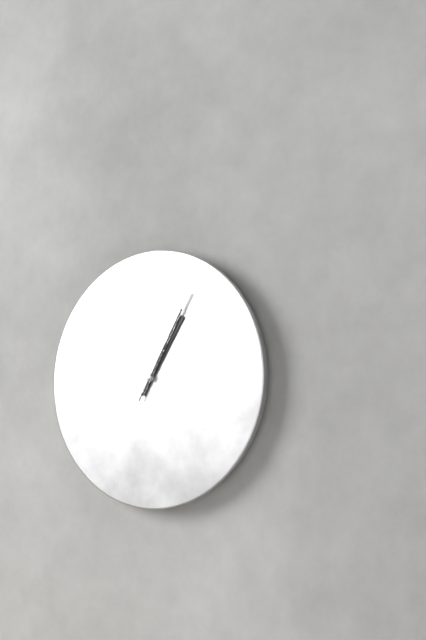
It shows 1 h 05 min 05 s
